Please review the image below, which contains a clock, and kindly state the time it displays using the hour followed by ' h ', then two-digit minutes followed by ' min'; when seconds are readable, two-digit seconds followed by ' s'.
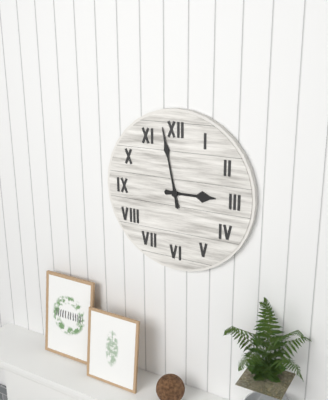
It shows 2 h 58 min
